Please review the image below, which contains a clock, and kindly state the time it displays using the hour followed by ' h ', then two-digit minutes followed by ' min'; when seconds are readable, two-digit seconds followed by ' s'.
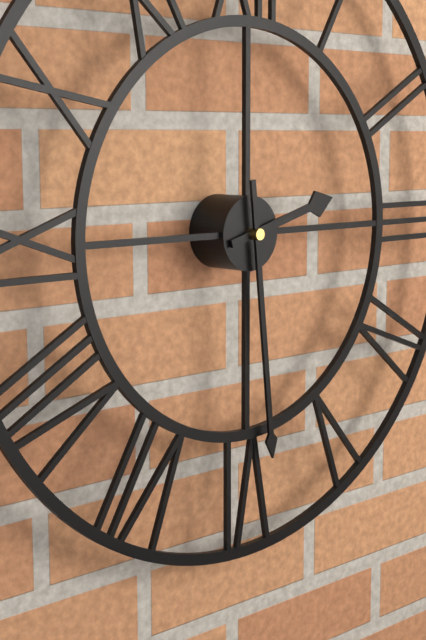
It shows 2 h 29 min
